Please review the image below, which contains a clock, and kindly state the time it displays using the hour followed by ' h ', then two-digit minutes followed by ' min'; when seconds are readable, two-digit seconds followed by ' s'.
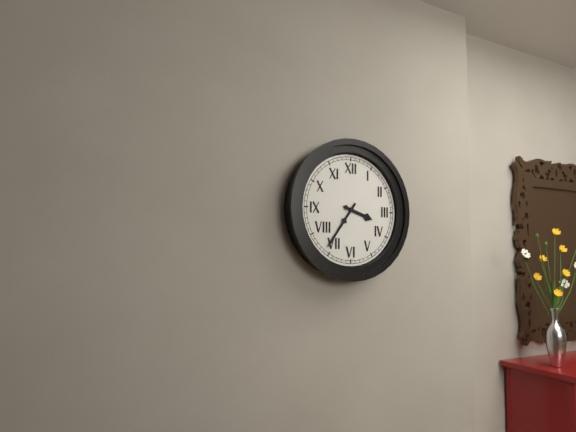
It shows 3 h 36 min
